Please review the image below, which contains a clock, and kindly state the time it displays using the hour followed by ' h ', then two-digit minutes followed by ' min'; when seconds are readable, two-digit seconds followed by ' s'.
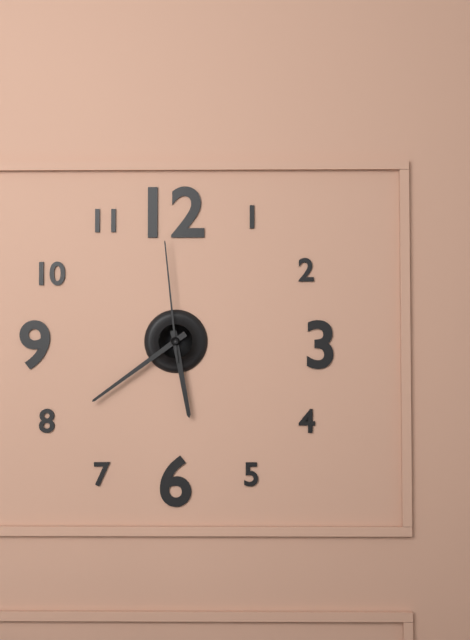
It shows 5 h 39 min 59 s
